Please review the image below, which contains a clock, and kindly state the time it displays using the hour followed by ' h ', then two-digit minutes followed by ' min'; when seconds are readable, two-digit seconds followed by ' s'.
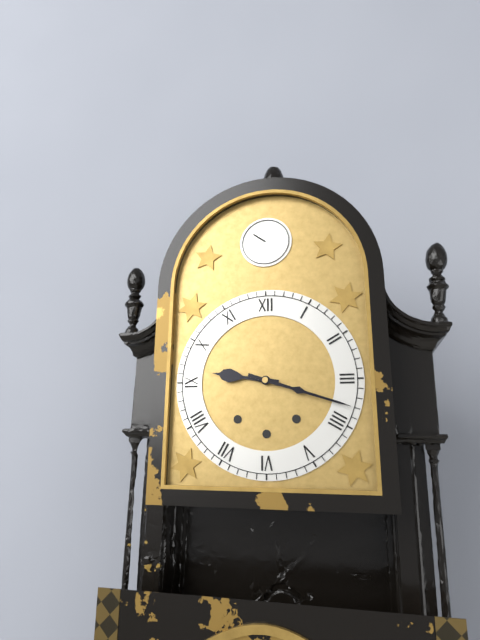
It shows 9 h 18 min
